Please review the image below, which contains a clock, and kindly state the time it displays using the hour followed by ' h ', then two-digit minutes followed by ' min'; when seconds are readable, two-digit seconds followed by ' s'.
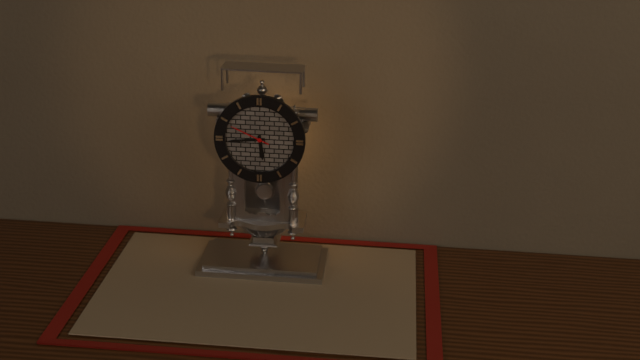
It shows 5 h 44 min
